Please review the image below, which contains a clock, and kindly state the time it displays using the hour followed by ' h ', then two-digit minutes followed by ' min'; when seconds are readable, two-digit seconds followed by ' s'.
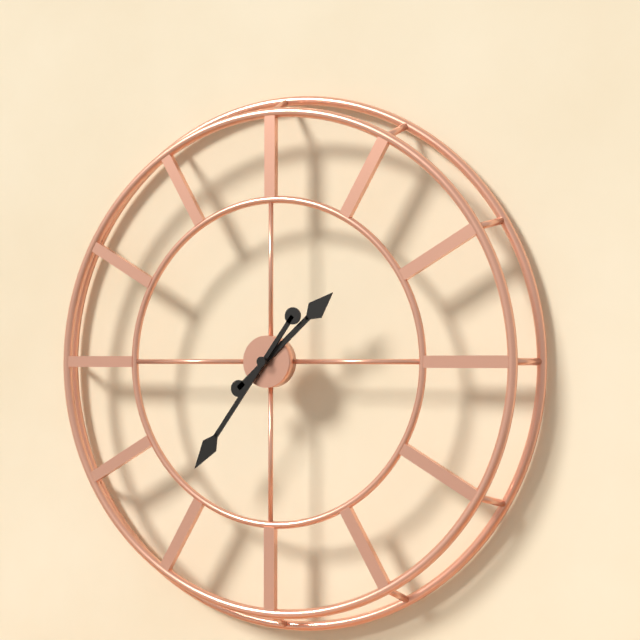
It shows 1 h 36 min
